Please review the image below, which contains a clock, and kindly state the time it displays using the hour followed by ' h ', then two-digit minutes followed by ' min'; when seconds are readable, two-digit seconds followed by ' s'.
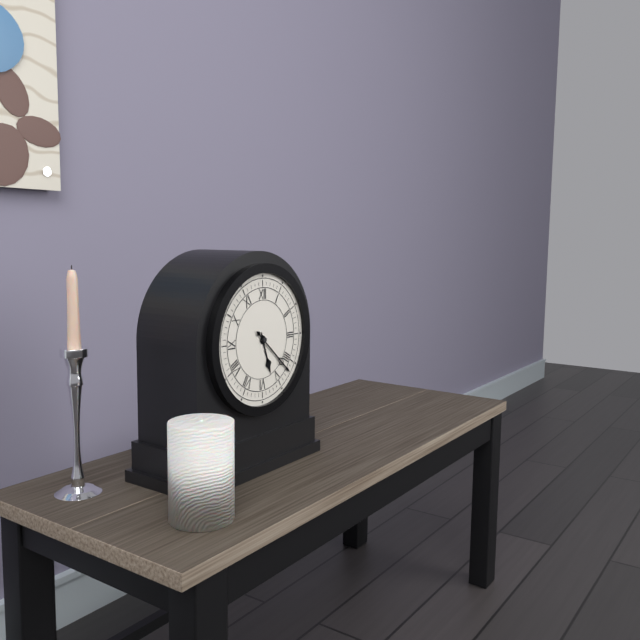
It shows 5 h 22 min
